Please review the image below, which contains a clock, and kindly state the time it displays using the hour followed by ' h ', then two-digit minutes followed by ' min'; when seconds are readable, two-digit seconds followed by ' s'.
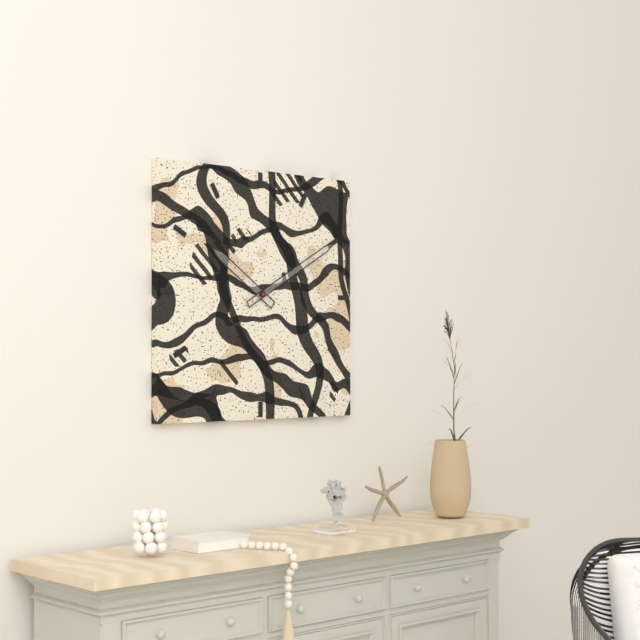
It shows 10 h 10 min
